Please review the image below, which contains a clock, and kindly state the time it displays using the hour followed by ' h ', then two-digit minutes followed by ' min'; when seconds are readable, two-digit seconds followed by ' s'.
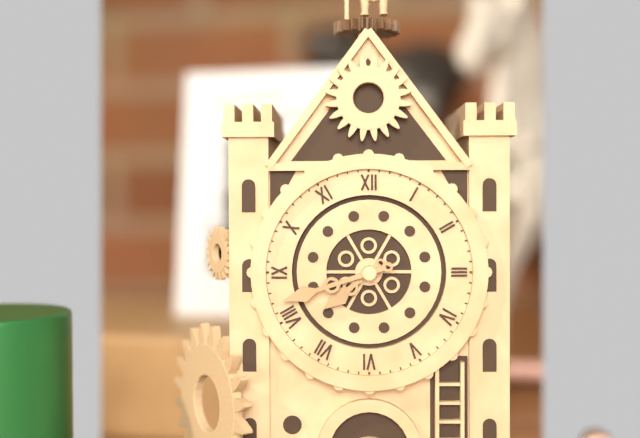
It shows 7 h 42 min
